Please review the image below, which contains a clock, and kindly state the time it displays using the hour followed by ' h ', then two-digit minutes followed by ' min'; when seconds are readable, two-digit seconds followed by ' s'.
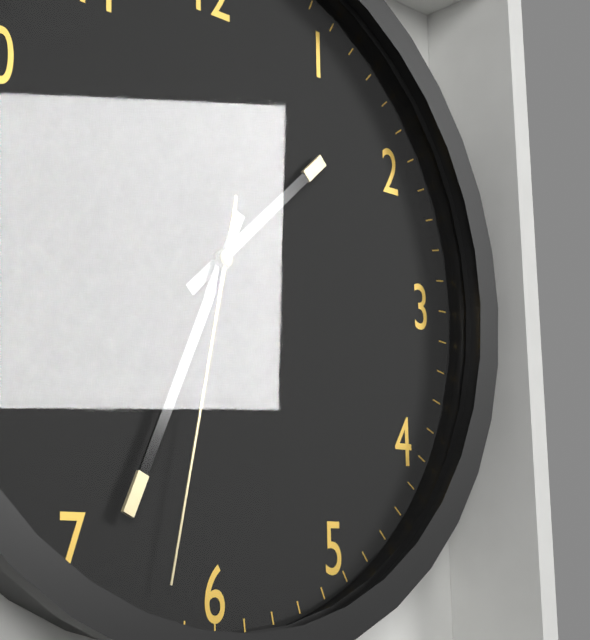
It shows 1 h 34 min 32 s
